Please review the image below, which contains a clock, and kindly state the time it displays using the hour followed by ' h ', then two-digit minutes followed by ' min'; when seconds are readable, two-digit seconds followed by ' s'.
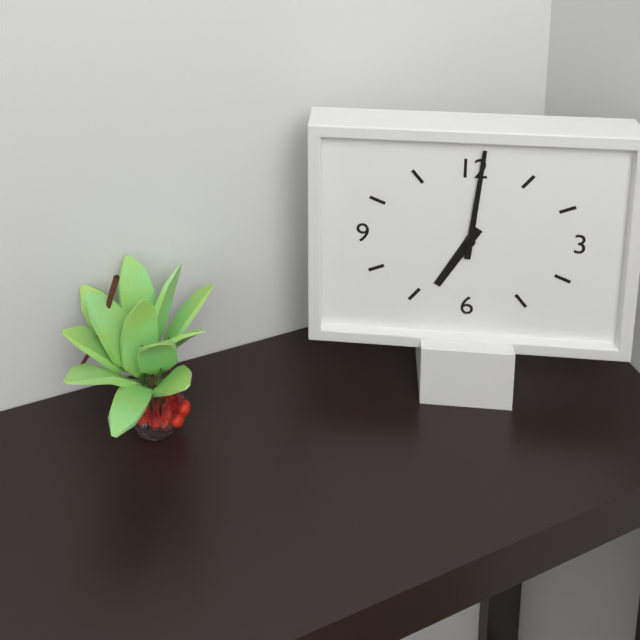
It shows 7 h 01 min
